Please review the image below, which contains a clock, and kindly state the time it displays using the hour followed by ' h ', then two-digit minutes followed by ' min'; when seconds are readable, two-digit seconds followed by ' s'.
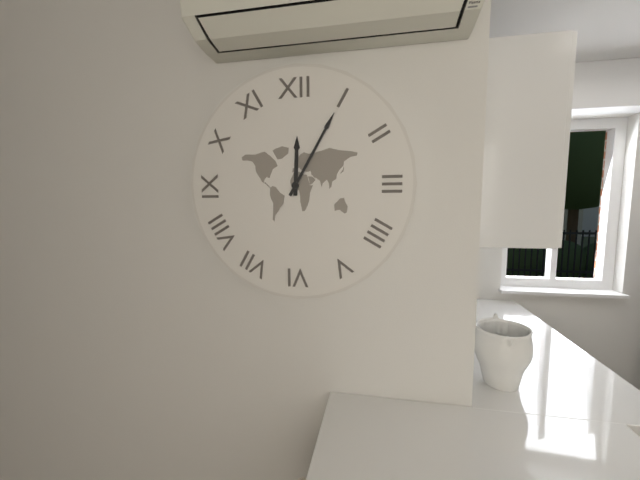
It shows 12 h 05 min
